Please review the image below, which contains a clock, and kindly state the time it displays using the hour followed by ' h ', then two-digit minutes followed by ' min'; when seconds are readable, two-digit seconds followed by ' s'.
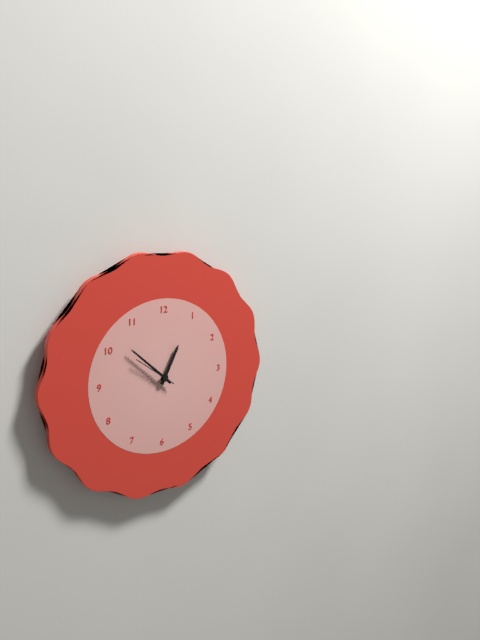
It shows 12 h 52 min
